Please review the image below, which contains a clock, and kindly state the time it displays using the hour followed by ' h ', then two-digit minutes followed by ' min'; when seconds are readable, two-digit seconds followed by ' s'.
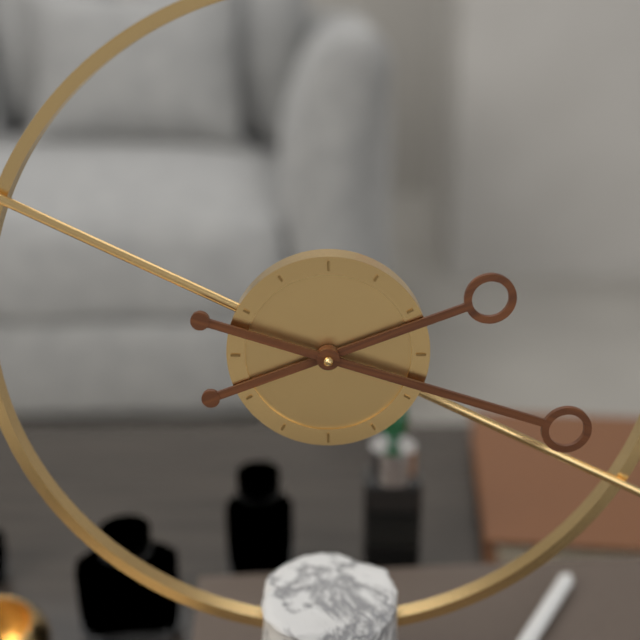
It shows 2 h 18 min
